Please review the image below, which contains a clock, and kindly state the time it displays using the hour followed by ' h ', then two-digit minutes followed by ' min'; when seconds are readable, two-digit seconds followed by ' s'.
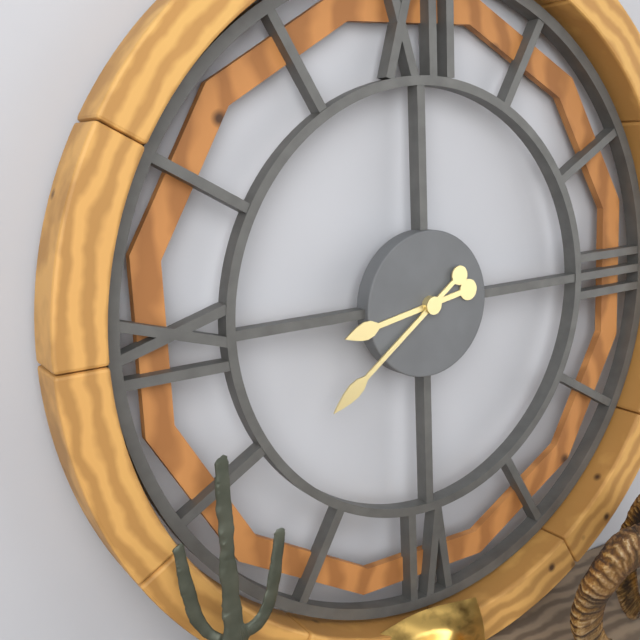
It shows 8 h 39 min
